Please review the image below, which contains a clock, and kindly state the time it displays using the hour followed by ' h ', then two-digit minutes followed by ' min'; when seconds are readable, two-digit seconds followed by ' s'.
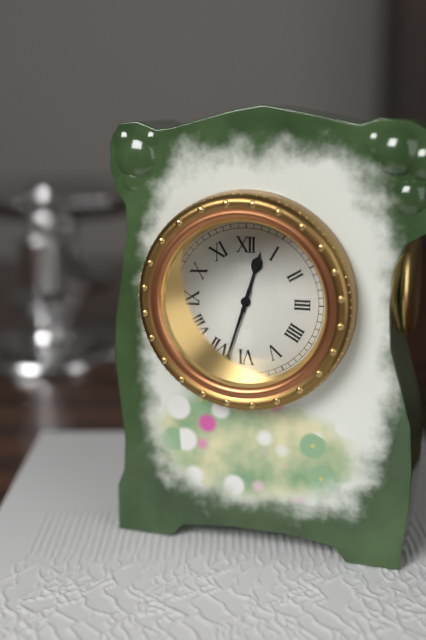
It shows 12 h 33 min
